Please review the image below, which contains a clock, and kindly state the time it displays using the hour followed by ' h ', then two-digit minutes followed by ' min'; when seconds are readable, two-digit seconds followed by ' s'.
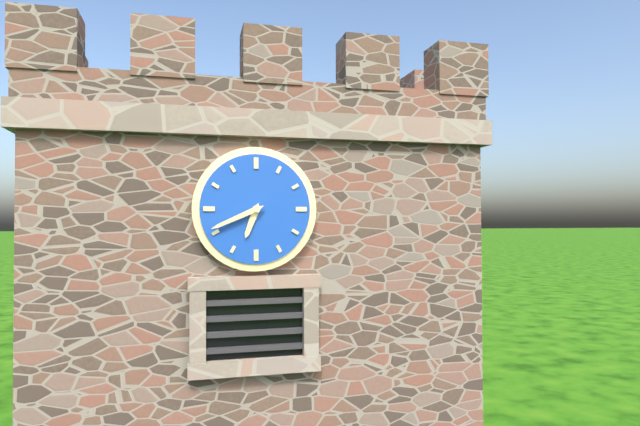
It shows 6 h 41 min
